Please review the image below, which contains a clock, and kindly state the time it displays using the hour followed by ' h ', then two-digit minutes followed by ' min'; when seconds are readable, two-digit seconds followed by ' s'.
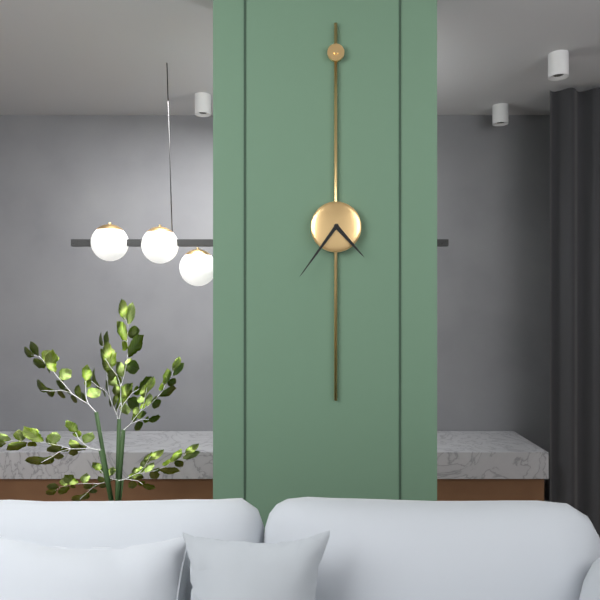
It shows 4 h 36 min
